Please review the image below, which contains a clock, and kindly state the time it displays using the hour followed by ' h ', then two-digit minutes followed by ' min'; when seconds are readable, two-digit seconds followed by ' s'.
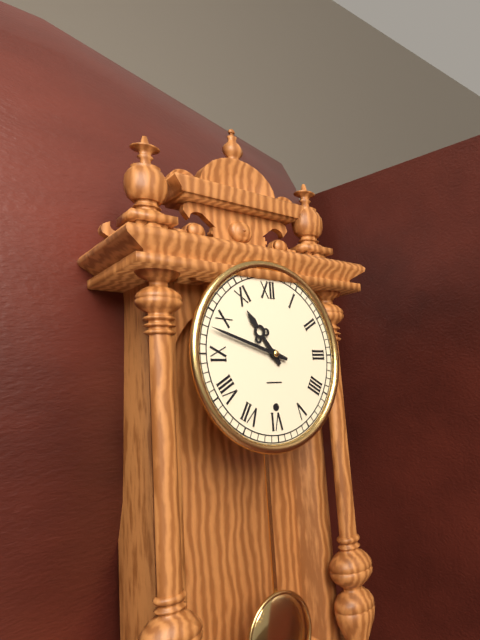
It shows 10 h 48 min
